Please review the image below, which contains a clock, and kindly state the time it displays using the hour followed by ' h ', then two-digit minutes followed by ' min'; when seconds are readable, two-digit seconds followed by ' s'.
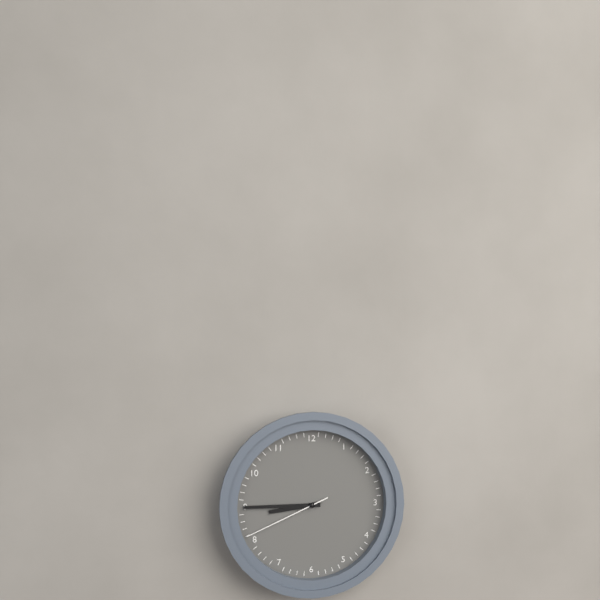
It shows 8 h 45 min 41 s
